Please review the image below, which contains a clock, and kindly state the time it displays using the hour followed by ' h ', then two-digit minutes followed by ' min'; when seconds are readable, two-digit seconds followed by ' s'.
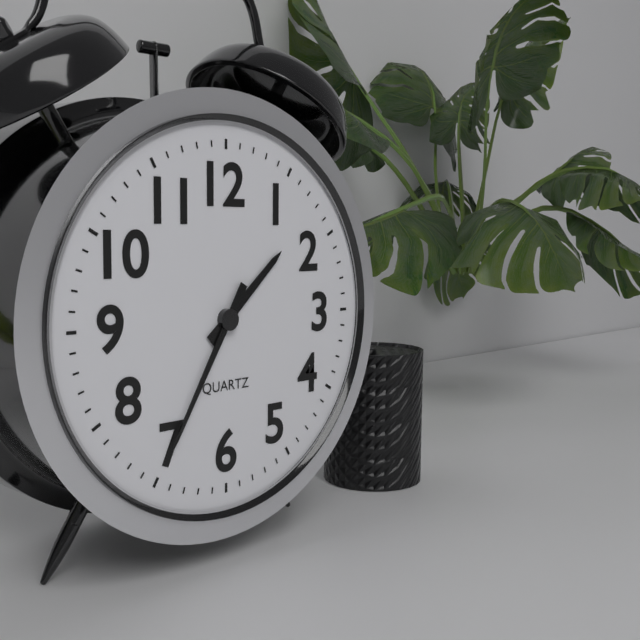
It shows 1 h 35 min
